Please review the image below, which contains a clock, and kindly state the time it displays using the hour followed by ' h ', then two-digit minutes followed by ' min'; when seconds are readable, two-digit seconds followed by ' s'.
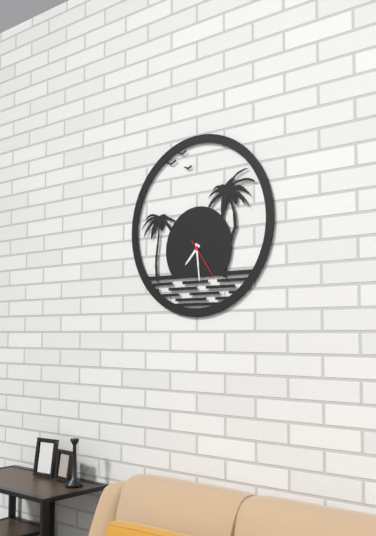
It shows 7 h 29 min
